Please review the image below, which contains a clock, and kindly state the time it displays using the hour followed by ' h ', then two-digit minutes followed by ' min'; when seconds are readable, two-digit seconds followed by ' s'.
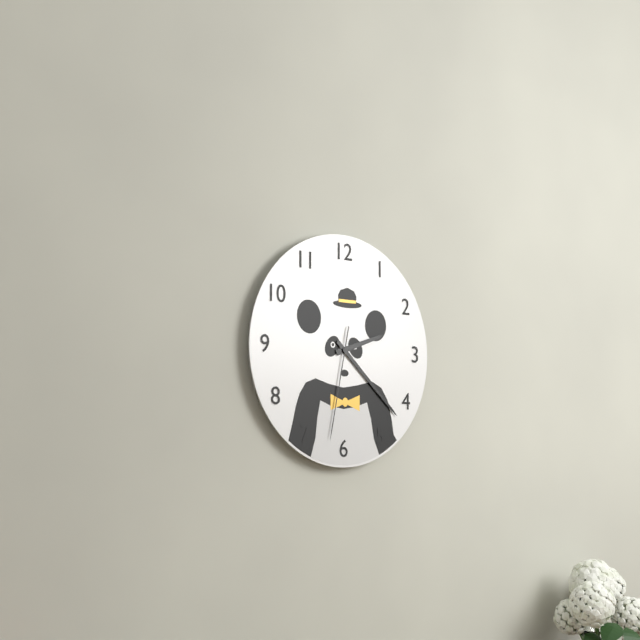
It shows 2 h 22 min 32 s
